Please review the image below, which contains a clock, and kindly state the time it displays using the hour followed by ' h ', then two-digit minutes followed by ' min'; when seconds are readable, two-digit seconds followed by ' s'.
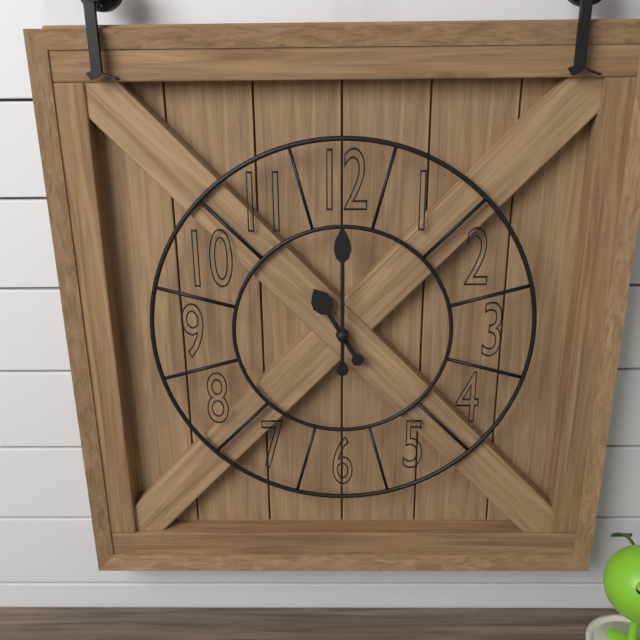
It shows 11 h 00 min
